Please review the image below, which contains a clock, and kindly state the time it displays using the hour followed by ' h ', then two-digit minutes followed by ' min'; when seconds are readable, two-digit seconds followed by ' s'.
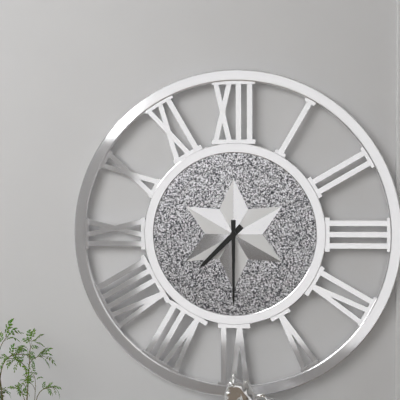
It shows 7 h 30 min
